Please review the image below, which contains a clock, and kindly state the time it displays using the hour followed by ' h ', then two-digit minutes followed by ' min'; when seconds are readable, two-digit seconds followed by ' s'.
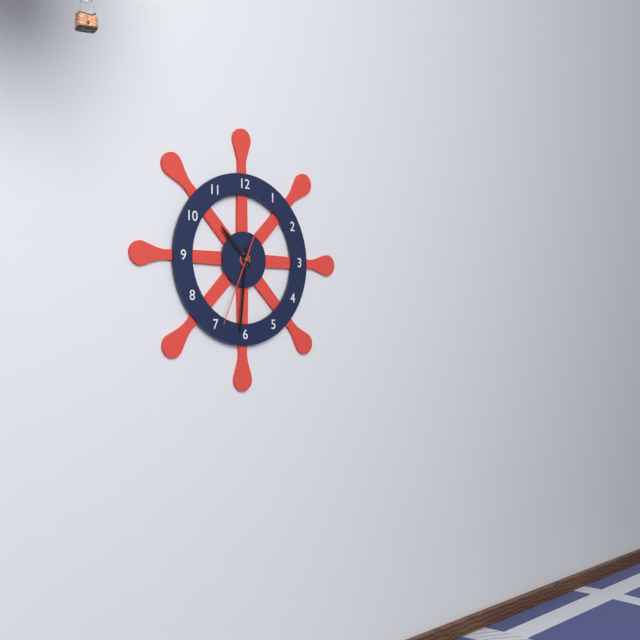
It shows 10 h 31 min 34 s
